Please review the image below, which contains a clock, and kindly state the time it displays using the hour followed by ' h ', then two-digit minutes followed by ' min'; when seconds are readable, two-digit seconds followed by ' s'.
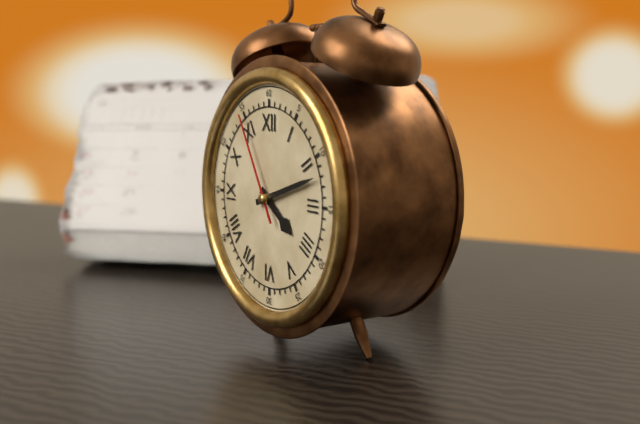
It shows 4 h 12 min 55 s
